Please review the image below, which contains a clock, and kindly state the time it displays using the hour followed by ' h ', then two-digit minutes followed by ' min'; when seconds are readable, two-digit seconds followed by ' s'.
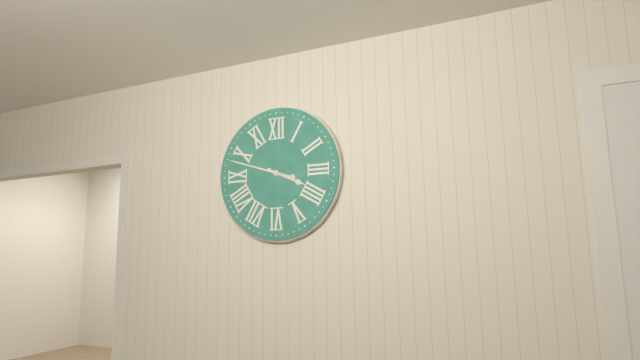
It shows 3 h 48 min
